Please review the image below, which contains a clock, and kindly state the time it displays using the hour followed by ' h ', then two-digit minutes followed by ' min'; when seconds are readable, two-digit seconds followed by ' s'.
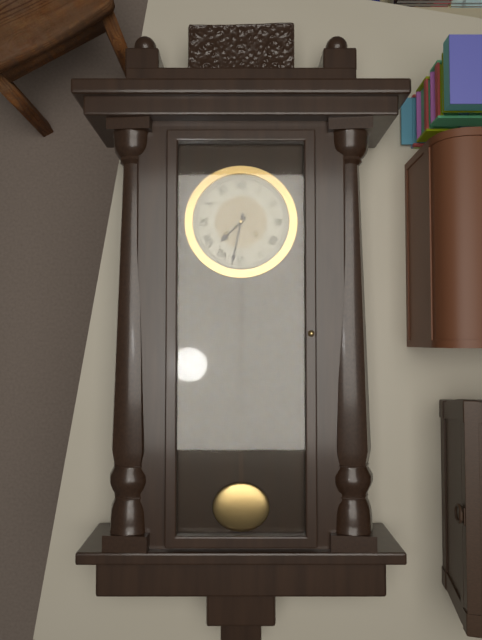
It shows 7 h 32 min
